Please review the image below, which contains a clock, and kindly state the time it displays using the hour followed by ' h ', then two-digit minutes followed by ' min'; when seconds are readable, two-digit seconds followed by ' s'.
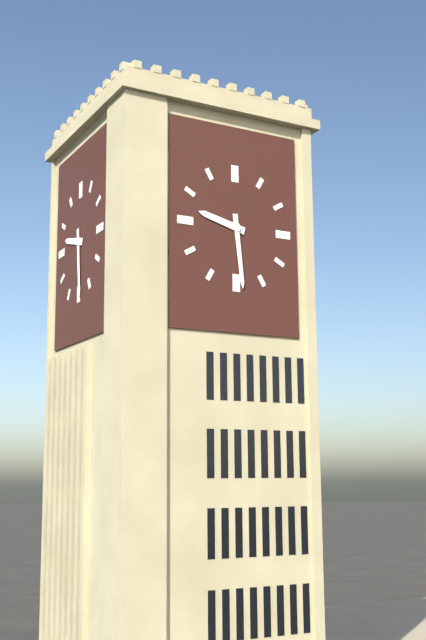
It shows 9 h 29 min
